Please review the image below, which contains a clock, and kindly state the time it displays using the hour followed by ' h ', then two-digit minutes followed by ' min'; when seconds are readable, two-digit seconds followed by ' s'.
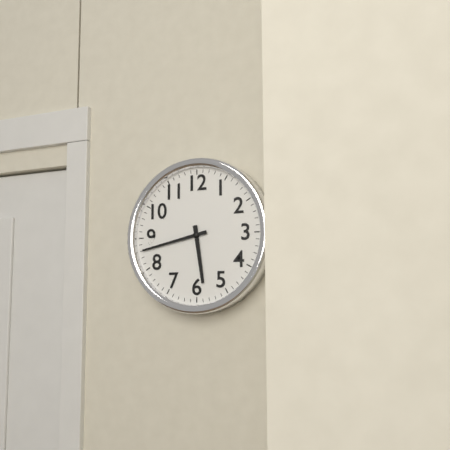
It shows 5 h 43 min
